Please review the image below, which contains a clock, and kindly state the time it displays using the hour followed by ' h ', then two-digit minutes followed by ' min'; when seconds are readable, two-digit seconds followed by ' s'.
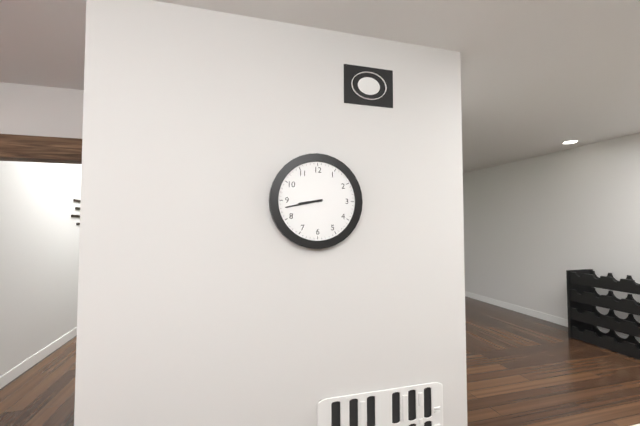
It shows 8 h 43 min
